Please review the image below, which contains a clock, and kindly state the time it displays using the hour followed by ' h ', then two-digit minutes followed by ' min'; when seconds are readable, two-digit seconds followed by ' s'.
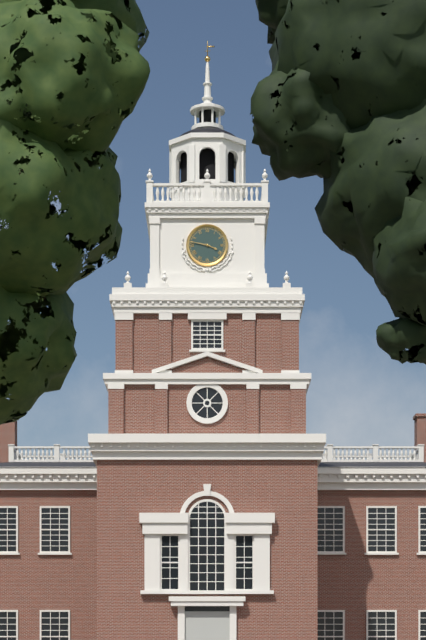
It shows 3 h 47 min
